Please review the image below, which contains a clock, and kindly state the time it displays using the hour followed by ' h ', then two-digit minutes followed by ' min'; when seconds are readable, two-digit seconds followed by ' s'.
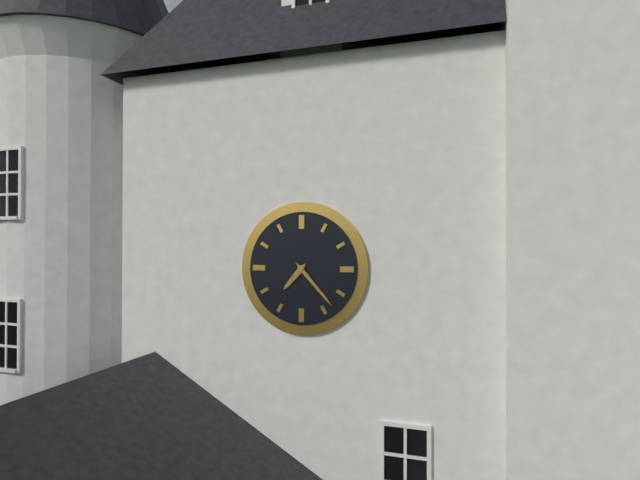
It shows 7 h 23 min
